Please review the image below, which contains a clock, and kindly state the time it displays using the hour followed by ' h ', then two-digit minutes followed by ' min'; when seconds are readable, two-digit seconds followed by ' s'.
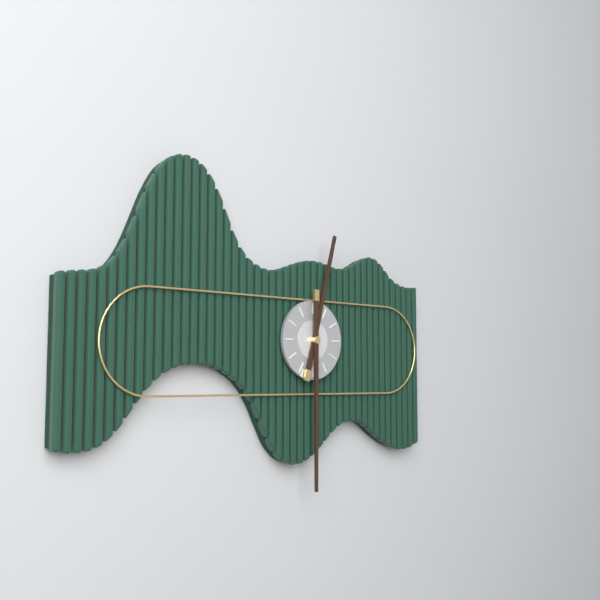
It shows 12 h 30 min
